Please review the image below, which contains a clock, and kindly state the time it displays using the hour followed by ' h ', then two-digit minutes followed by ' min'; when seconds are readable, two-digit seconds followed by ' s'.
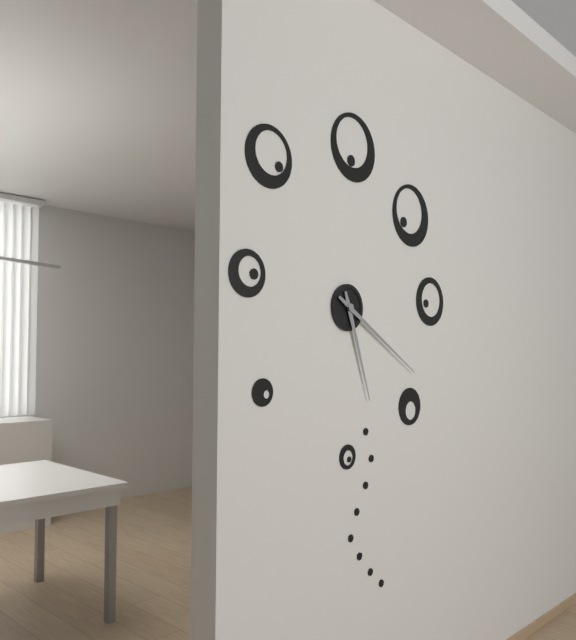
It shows 5 h 20 min
